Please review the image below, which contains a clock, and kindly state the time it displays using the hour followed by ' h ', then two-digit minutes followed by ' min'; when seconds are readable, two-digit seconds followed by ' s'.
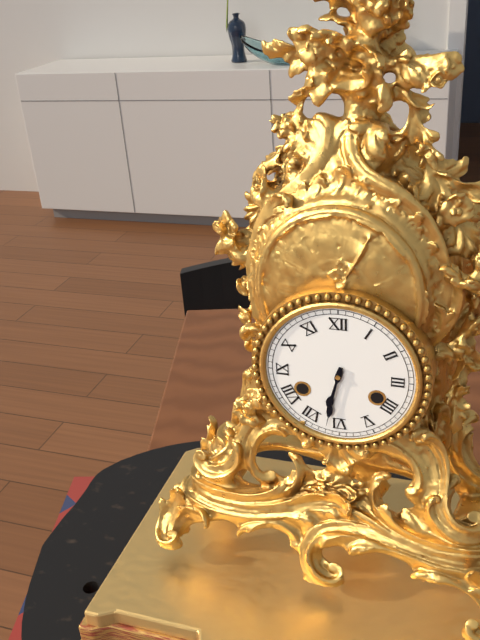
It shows 6 h 32 min
